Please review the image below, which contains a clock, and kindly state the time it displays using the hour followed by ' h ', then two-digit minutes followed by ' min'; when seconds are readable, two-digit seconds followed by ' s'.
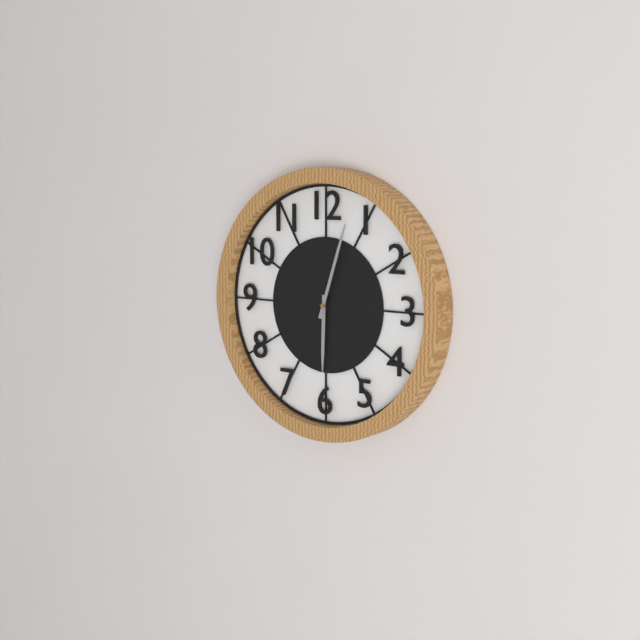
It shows 6 h 03 min
